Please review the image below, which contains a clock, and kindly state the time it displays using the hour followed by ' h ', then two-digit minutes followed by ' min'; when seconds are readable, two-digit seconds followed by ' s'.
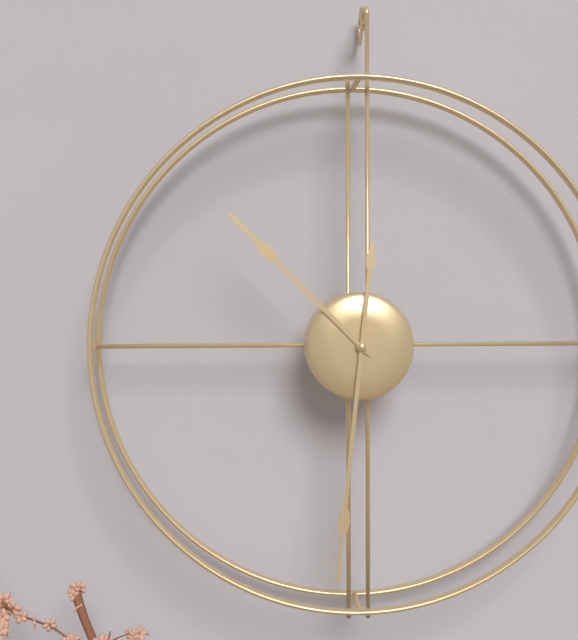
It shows 10 h 31 min
